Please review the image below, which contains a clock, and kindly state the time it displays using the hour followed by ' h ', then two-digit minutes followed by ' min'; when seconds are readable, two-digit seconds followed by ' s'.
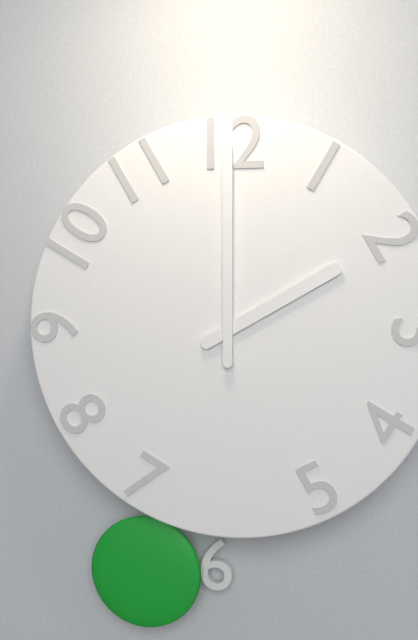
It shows 2 h 00 min
